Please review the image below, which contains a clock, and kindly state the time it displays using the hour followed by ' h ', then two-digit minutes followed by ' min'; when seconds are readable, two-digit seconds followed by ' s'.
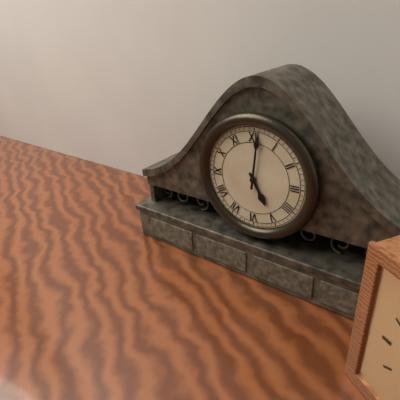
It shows 5 h 01 min
